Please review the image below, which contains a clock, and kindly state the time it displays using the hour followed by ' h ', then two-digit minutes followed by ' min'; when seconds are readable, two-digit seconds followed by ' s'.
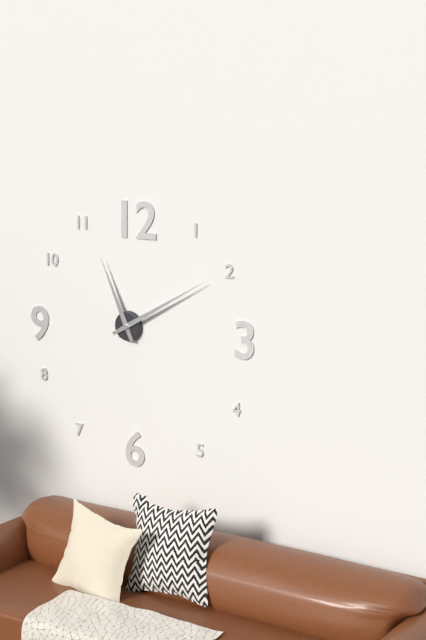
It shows 11 h 10 min
